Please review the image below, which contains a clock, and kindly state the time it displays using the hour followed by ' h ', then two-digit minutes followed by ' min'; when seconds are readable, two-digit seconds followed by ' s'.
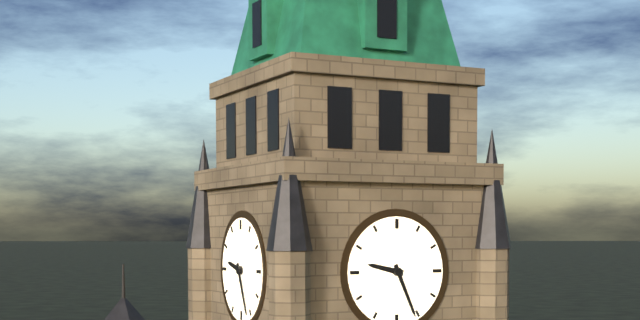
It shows 9 h 26 min
